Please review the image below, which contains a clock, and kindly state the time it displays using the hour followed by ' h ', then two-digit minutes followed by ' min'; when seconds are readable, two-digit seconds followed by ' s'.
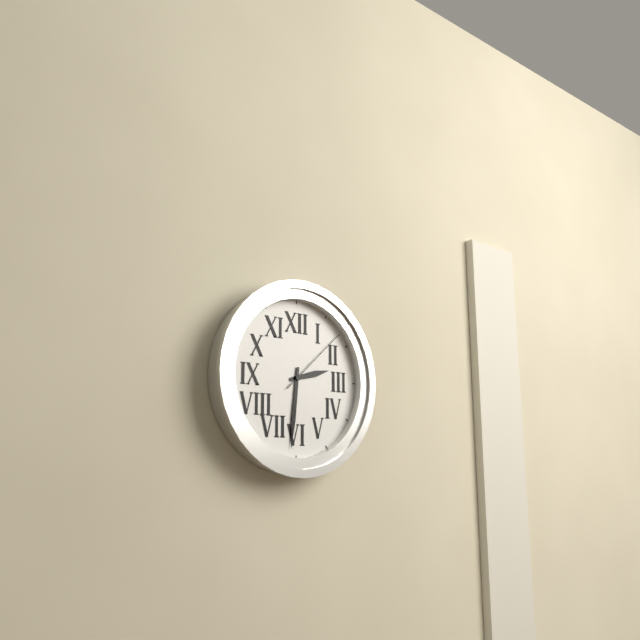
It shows 2 h 31 min 08 s
